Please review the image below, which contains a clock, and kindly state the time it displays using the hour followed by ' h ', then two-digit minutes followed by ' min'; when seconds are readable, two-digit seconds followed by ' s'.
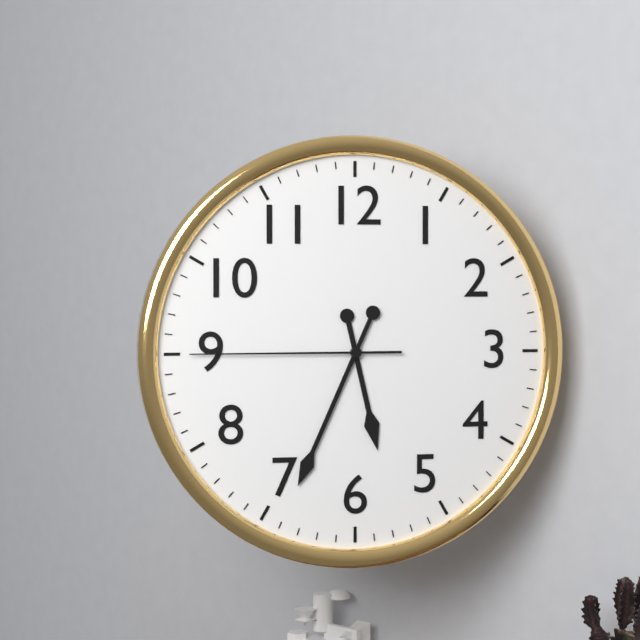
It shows 5 h 34 min 45 s
